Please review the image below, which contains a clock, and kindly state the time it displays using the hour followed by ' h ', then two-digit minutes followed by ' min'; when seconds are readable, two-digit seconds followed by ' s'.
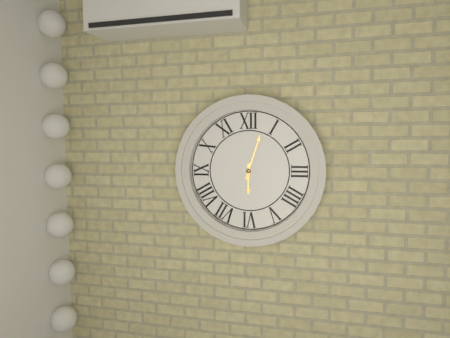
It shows 6 h 03 min
